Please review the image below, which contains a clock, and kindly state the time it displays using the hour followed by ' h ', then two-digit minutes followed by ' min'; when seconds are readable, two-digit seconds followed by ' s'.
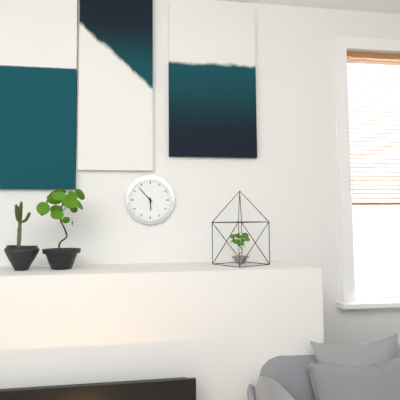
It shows 5 h 53 min
